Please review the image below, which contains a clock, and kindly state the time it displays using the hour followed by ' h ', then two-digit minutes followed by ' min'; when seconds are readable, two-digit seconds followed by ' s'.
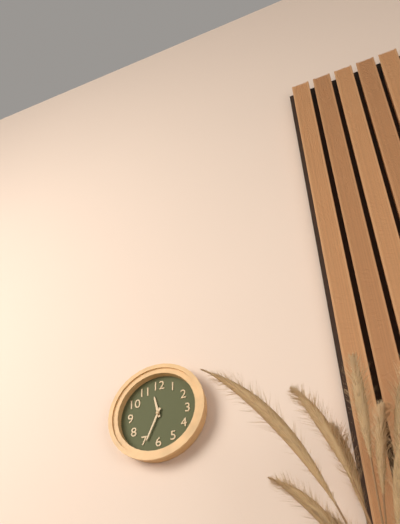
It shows 11 h 34 min
